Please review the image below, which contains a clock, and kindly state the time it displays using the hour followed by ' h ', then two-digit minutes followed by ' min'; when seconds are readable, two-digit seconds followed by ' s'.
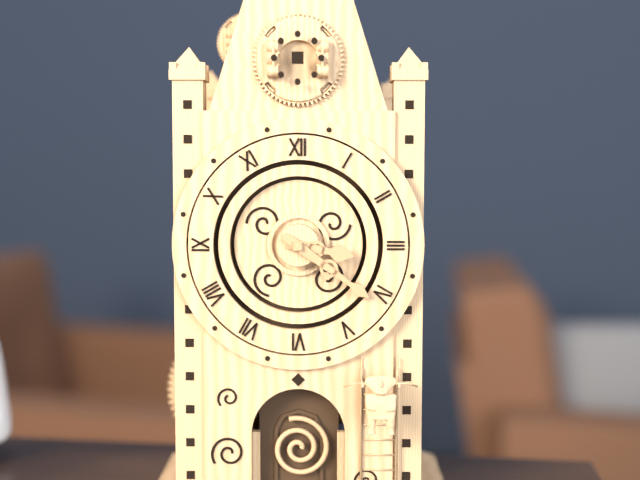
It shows 3 h 21 min
